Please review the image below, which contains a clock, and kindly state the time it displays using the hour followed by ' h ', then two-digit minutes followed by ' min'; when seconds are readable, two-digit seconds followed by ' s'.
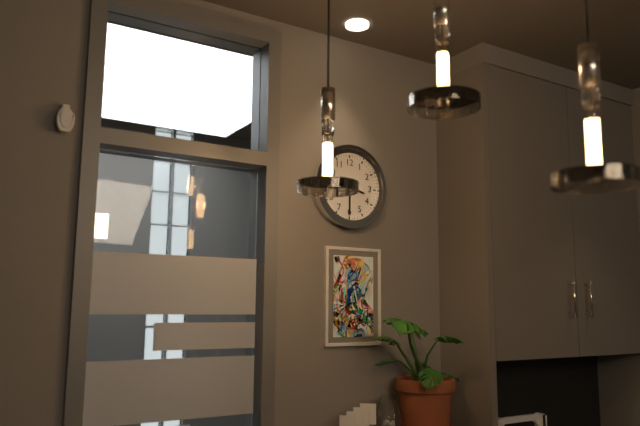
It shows 3 h 30 min
